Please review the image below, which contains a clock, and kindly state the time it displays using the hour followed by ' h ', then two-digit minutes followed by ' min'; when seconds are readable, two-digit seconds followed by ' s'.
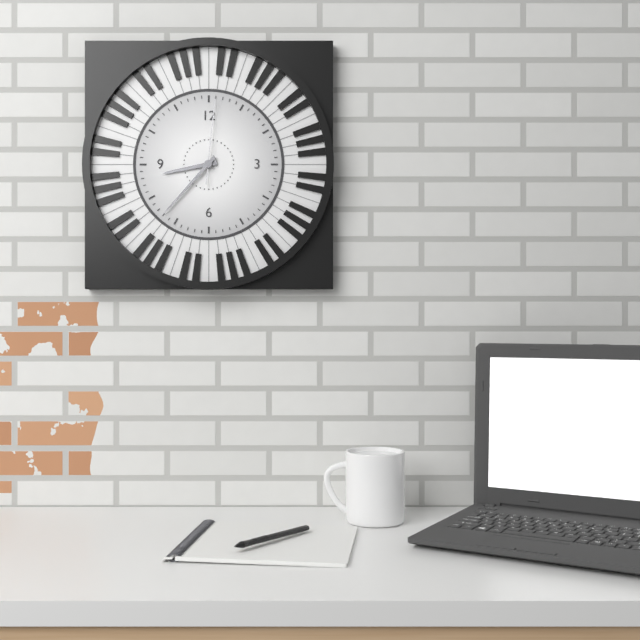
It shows 8 h 37 min 01 s
